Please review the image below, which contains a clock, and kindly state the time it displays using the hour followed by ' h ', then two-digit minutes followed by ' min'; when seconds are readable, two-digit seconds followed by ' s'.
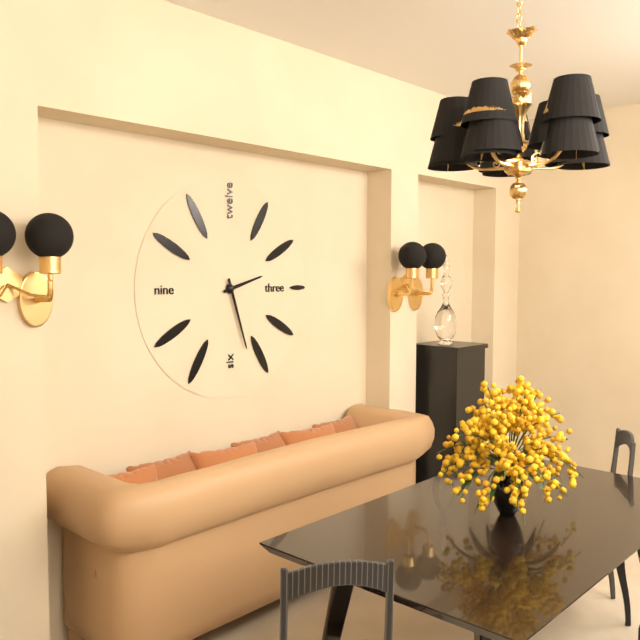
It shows 2 h 27 min
